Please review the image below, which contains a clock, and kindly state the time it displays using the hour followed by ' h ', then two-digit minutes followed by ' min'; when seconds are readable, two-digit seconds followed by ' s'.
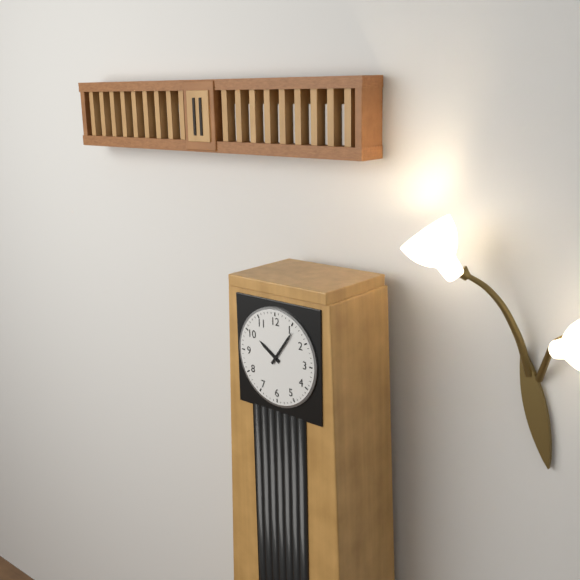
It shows 10 h 06 min
